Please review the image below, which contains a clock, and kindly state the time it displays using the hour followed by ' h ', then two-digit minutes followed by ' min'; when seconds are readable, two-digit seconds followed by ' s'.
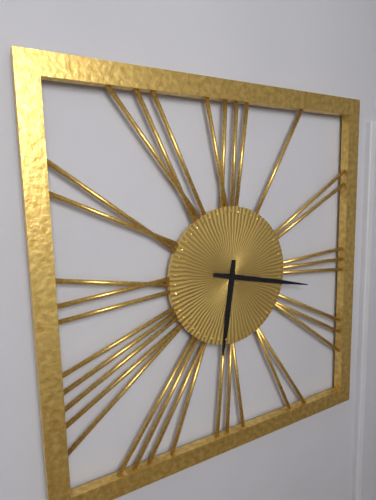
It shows 6 h 17 min
